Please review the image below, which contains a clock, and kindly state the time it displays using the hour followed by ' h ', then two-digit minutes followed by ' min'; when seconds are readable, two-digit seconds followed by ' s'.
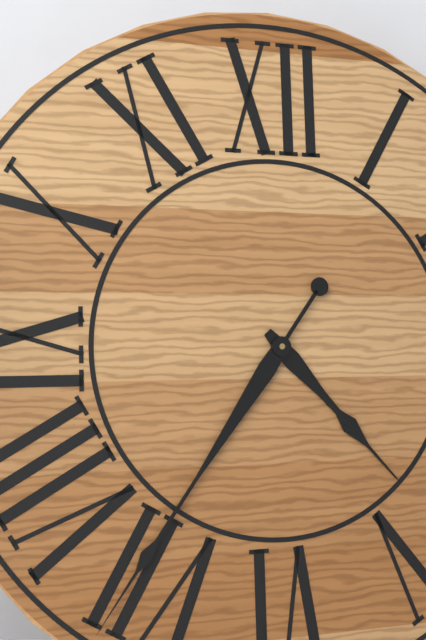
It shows 4 h 36 min
